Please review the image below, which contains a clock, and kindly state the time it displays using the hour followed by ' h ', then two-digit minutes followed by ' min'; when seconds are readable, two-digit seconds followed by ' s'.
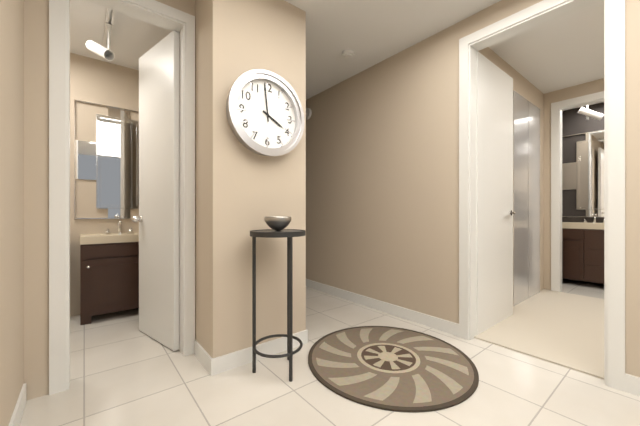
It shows 3 h 59 min
